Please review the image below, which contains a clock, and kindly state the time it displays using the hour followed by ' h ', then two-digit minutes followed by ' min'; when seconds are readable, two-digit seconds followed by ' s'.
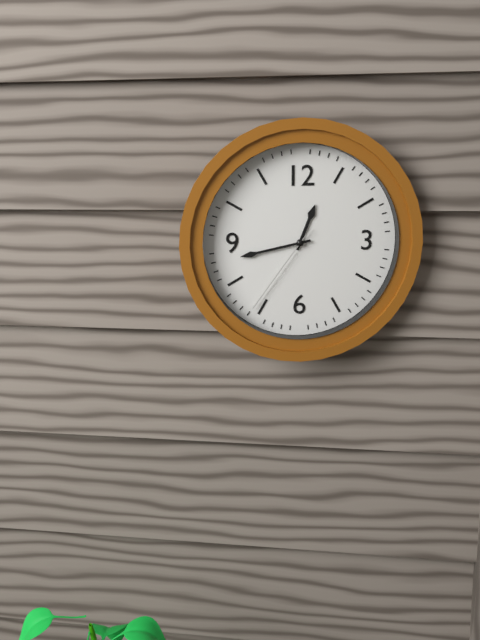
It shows 12 h 43 min 36 s
